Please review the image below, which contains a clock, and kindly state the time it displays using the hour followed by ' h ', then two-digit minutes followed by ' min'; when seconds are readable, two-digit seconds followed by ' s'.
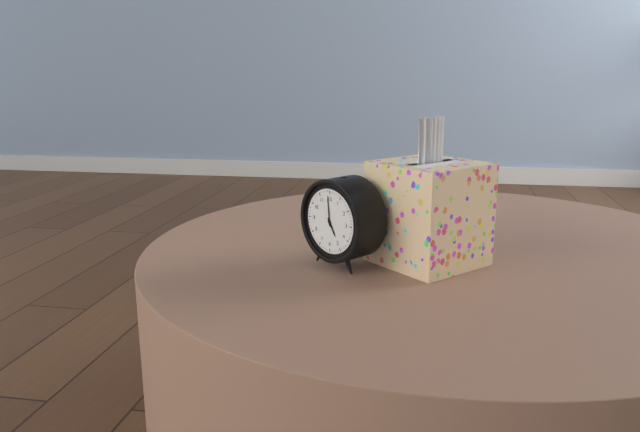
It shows 4 h 59 min
